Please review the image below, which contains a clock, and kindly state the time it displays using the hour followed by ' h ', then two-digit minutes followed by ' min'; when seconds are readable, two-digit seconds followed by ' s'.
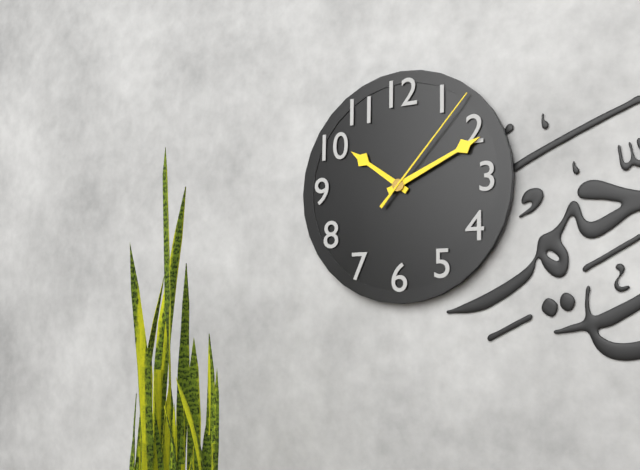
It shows 10 h 11 min 07 s
